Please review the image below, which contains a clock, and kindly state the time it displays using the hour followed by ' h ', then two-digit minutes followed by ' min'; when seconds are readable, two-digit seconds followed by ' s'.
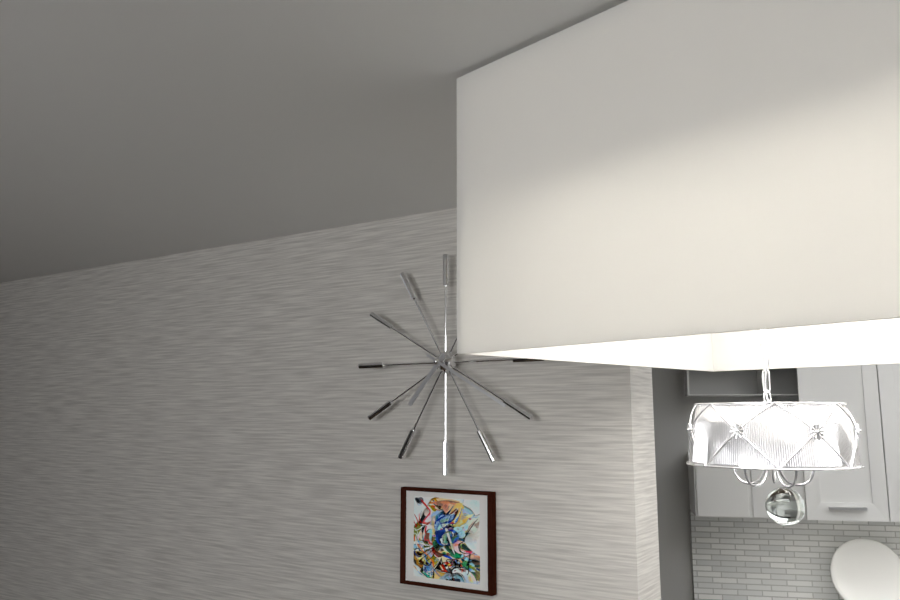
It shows 7 h 20 min
